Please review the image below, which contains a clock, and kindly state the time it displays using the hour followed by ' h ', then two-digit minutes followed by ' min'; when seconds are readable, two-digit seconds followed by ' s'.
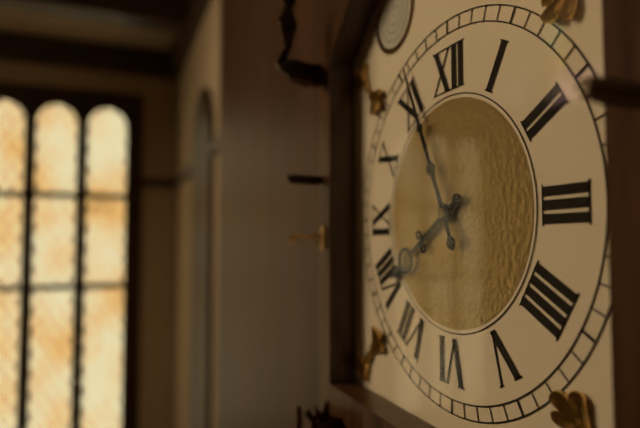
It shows 7 h 56 min
